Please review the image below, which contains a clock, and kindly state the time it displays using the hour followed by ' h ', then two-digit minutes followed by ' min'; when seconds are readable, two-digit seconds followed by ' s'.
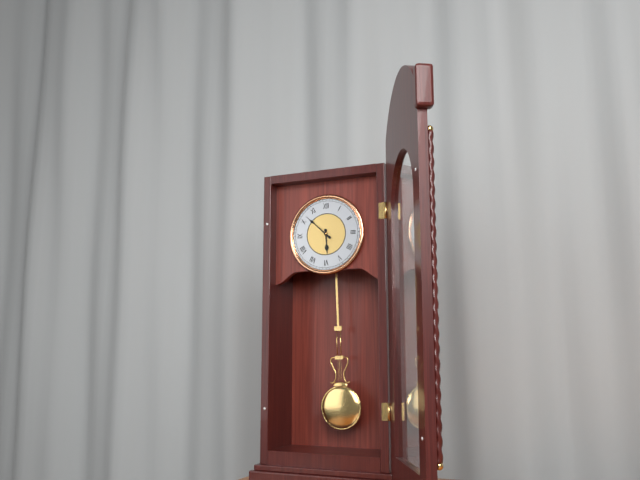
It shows 5 h 52 min
